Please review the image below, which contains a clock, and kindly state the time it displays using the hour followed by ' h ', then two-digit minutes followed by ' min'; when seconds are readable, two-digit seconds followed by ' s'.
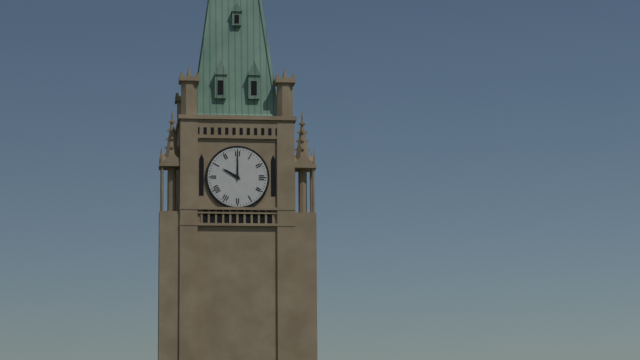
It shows 10 h 00 min
